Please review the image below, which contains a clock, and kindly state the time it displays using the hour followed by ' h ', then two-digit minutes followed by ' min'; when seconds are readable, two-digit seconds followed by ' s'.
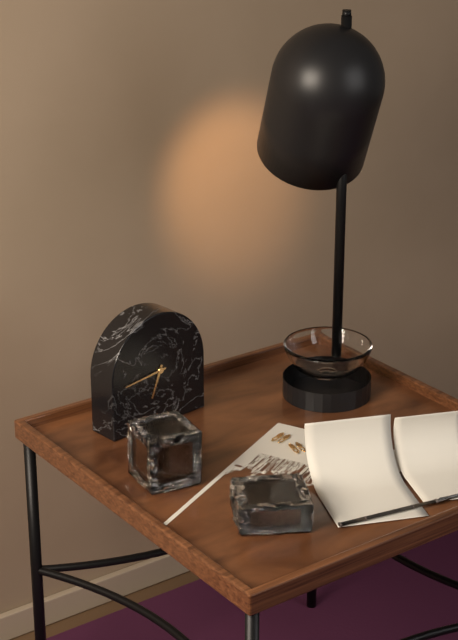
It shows 6 h 44 min
